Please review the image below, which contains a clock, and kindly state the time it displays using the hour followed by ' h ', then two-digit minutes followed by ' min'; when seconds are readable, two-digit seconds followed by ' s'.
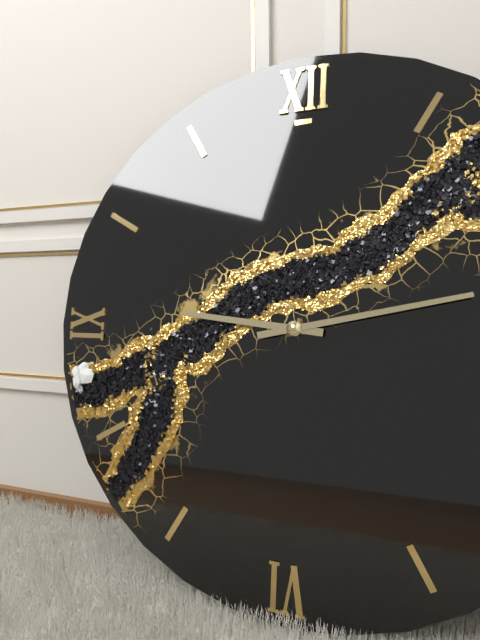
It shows 9 h 13 min
